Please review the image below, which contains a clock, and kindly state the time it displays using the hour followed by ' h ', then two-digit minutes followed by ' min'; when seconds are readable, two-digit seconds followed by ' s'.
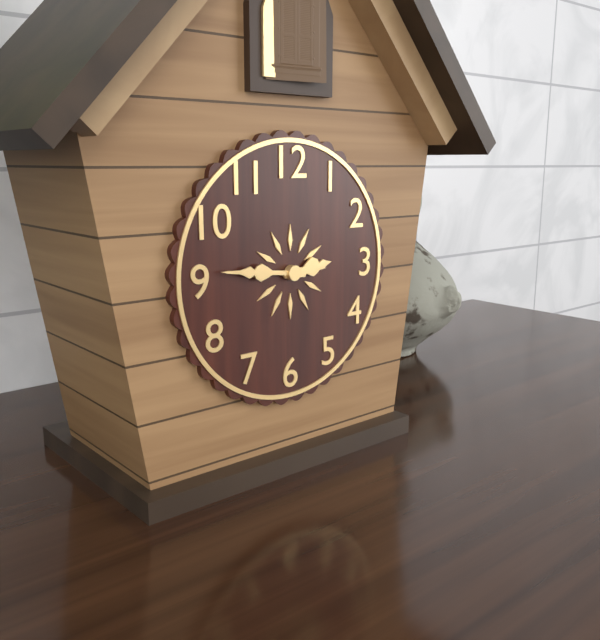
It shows 2 h 46 min
